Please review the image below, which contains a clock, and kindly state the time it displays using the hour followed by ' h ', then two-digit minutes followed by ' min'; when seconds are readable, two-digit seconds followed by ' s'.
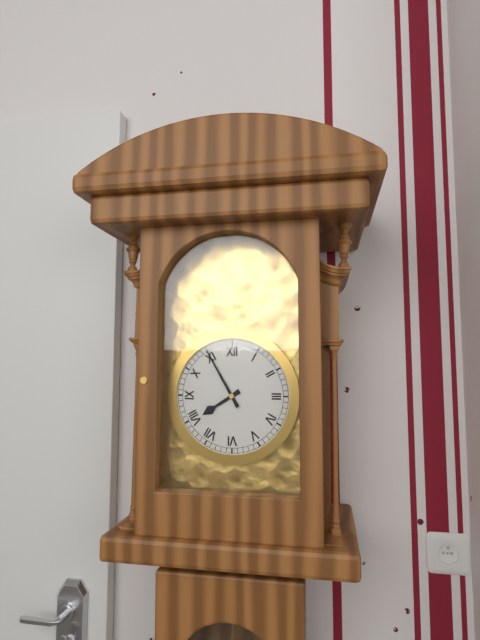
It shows 7 h 55 min
